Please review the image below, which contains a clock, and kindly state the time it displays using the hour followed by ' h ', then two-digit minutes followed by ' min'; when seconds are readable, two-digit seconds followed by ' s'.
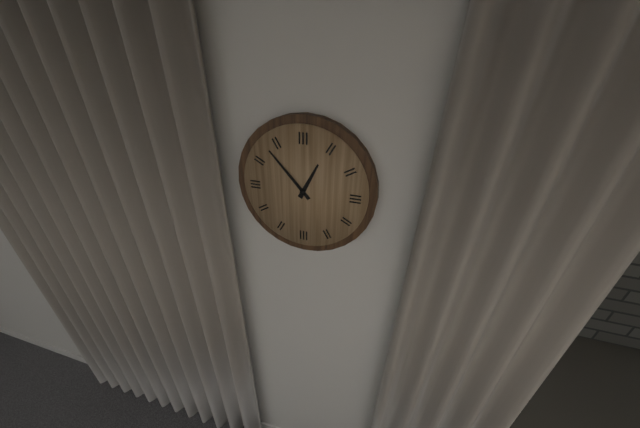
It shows 12 h 53 min
